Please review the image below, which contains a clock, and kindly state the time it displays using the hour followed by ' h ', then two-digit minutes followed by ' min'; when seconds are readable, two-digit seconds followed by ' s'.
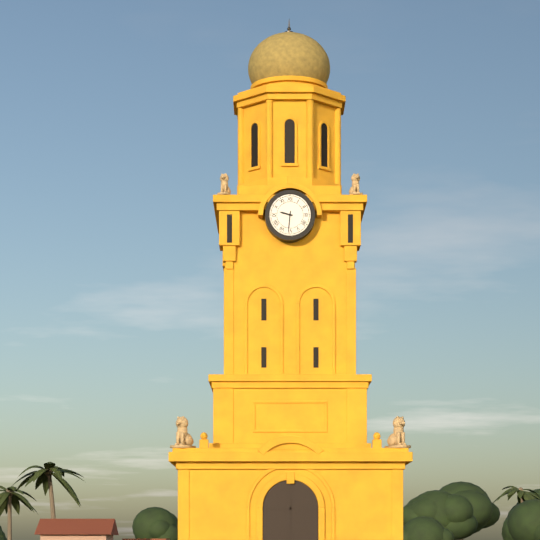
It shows 9 h 31 min
